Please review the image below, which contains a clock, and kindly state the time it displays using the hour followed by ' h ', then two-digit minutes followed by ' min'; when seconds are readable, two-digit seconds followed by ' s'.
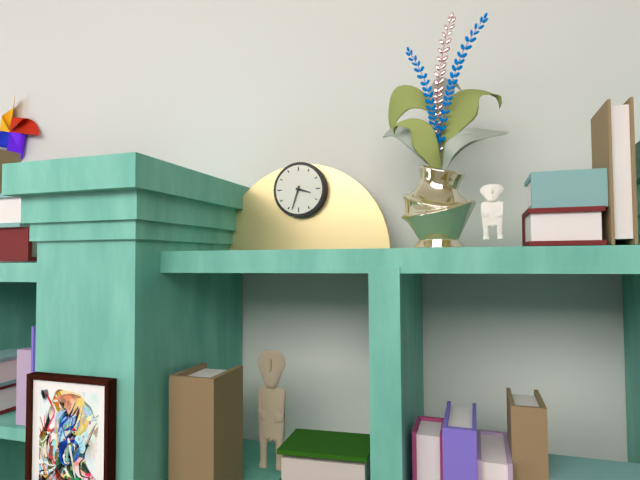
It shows 3 h 33 min
